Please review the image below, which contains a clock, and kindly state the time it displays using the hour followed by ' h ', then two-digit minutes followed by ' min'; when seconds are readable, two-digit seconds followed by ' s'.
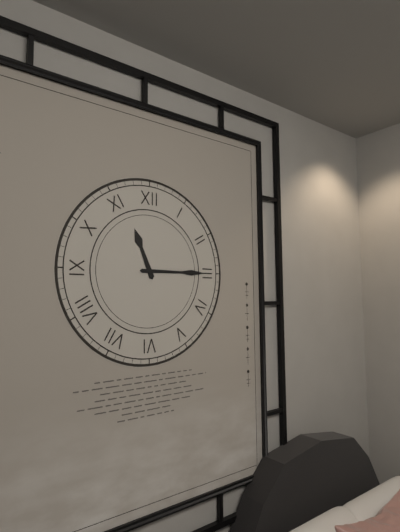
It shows 11 h 15 min
